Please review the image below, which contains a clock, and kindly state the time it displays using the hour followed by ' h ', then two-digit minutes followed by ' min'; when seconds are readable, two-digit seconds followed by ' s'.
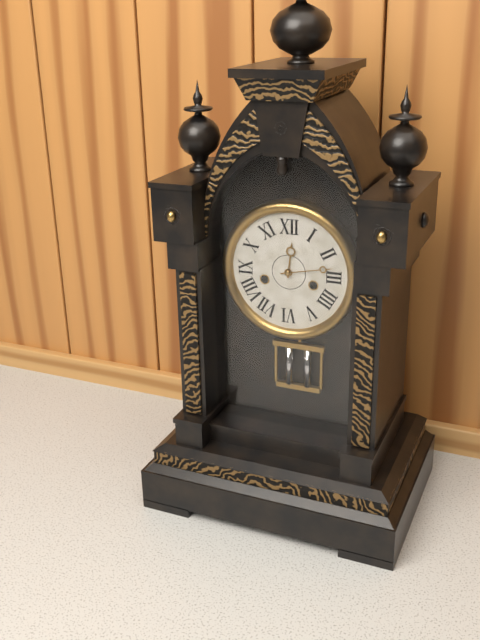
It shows 12 h 13 min
